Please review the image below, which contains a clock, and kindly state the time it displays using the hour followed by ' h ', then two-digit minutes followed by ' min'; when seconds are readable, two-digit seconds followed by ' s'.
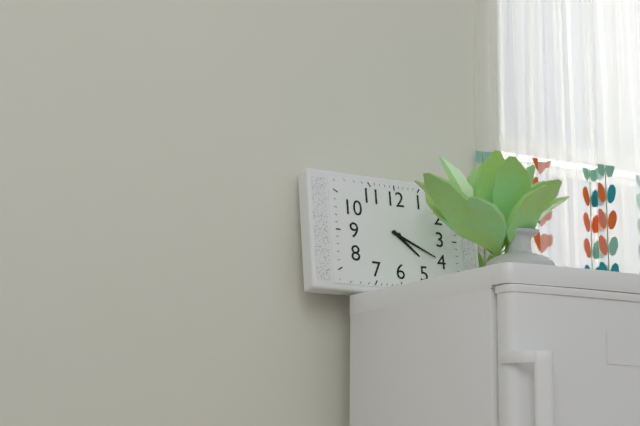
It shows 4 h 19 min
